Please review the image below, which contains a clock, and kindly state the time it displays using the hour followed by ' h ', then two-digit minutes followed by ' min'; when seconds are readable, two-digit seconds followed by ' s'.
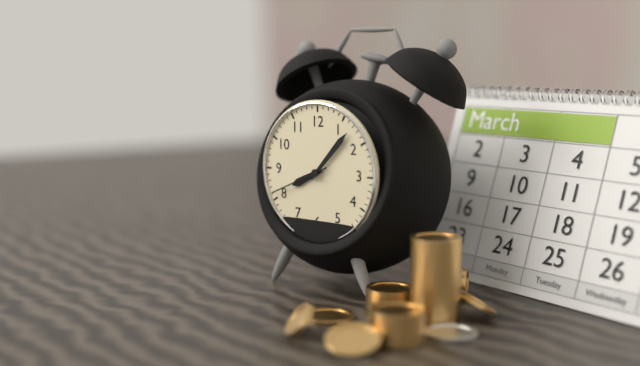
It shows 8 h 07 min 41 s
